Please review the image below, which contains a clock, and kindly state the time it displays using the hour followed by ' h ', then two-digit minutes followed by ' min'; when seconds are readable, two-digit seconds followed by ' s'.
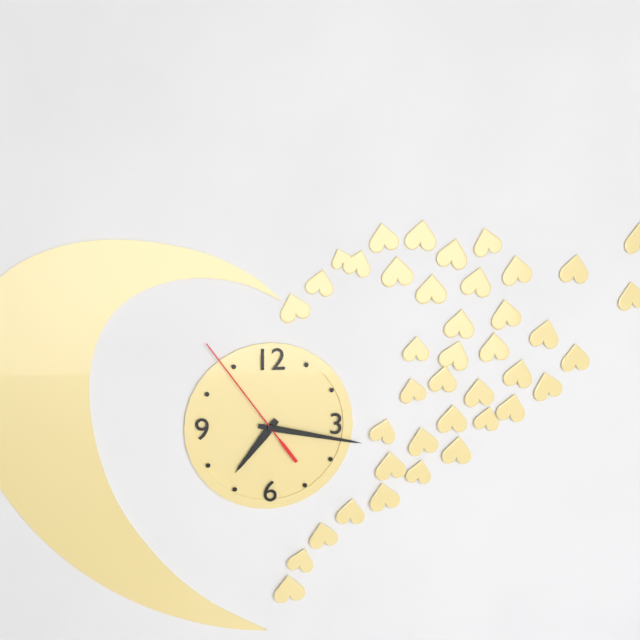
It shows 7 h 17 min 54 s
